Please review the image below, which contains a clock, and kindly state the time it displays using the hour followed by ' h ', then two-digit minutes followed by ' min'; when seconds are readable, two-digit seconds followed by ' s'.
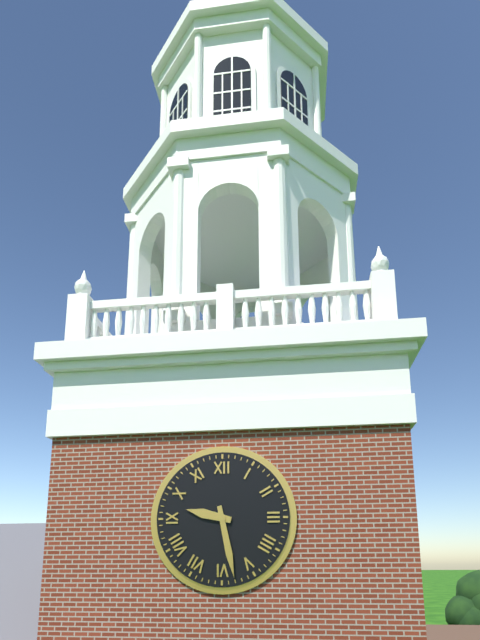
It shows 9 h 28 min
